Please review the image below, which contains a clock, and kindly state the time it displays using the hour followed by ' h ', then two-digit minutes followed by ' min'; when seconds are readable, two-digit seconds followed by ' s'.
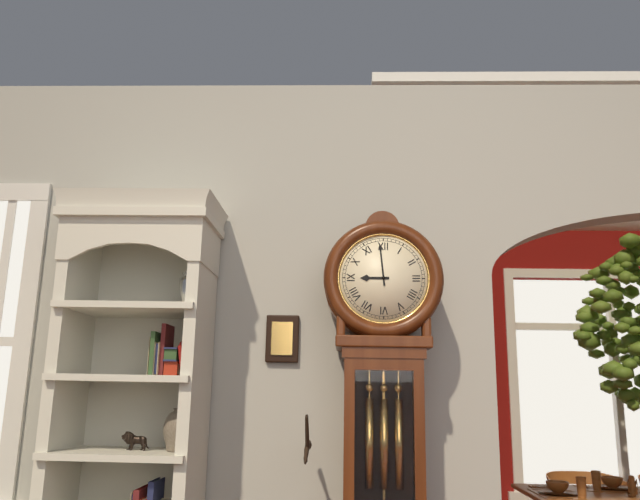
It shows 8 h 59 min
